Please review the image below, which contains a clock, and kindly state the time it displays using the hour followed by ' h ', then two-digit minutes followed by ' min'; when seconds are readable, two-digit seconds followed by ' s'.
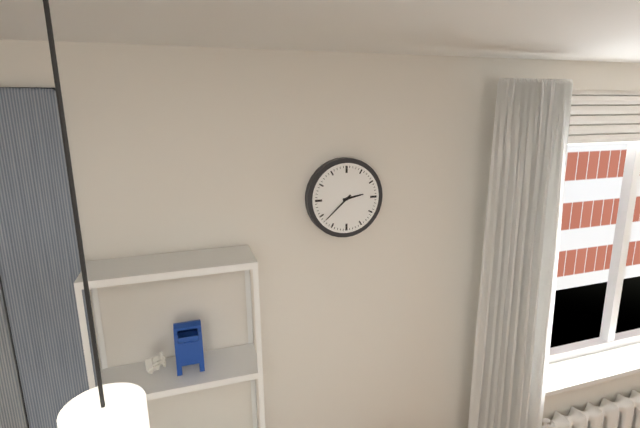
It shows 2 h 38 min
